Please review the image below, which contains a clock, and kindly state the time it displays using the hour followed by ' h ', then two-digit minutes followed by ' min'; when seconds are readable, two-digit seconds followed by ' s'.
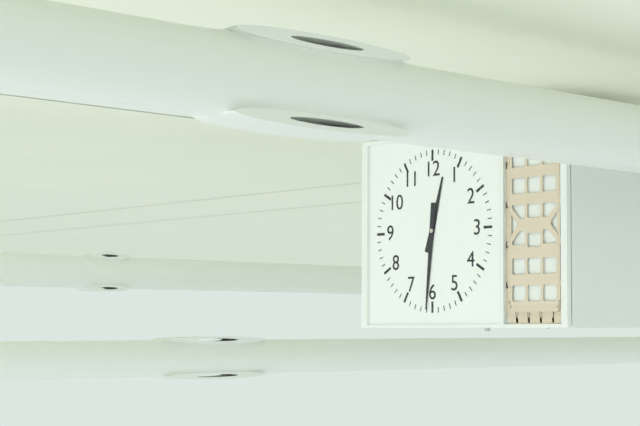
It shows 12 h 31 min
